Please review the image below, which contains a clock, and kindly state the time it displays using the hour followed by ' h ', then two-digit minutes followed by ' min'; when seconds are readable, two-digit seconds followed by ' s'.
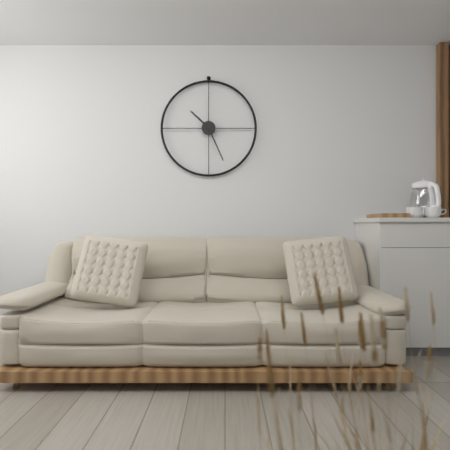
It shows 10 h 26 min
